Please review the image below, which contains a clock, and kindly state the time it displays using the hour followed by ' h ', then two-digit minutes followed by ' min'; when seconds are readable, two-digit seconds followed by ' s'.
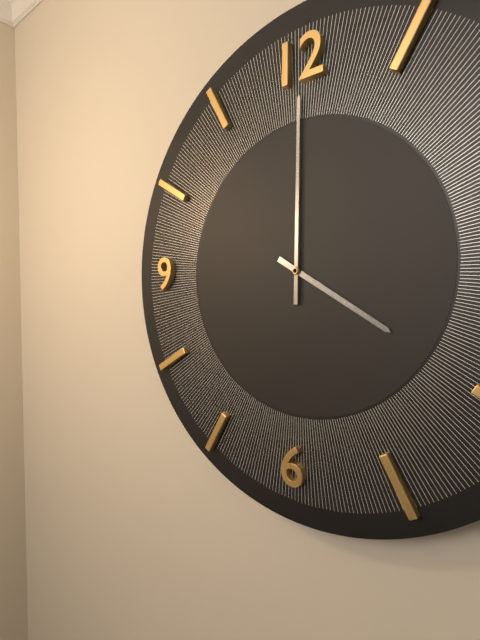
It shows 4 h 00 min
